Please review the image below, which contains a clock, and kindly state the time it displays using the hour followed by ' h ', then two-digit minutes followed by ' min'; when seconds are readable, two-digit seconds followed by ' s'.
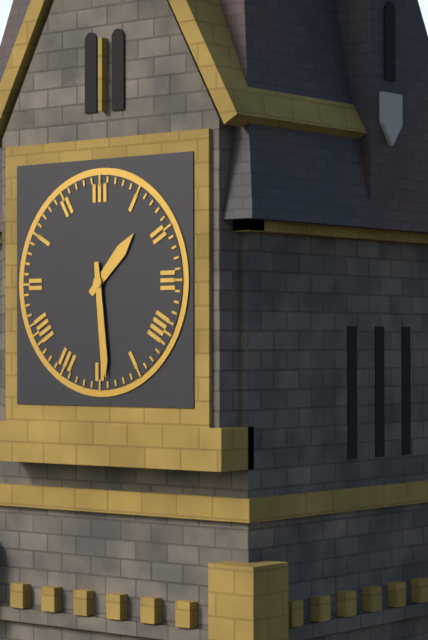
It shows 1 h 29 min
